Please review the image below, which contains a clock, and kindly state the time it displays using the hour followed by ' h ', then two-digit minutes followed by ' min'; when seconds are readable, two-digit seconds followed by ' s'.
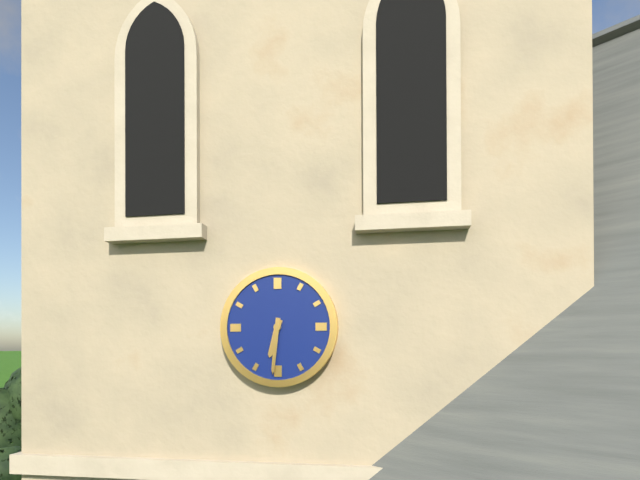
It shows 6 h 31 min
